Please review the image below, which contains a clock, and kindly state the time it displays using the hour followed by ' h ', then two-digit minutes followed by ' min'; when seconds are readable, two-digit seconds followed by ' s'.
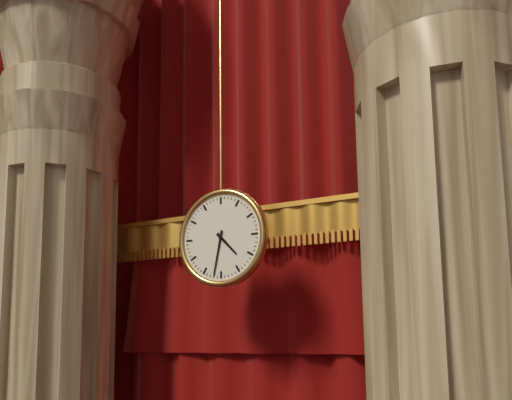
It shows 4 h 32 min
